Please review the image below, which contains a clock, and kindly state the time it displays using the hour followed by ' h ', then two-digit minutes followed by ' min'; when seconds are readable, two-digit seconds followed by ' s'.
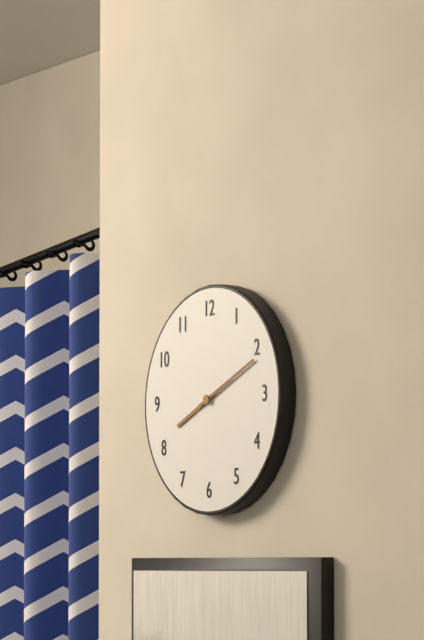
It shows 8 h 11 min
